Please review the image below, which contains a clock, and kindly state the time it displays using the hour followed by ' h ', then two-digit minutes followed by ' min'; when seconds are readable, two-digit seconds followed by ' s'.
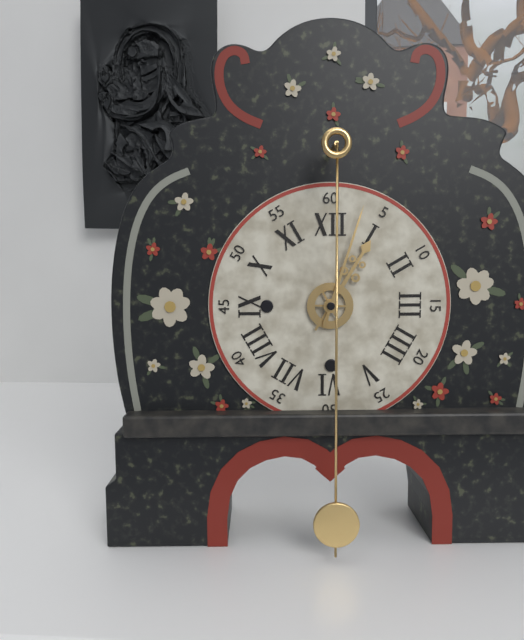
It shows 1 h 03 min
